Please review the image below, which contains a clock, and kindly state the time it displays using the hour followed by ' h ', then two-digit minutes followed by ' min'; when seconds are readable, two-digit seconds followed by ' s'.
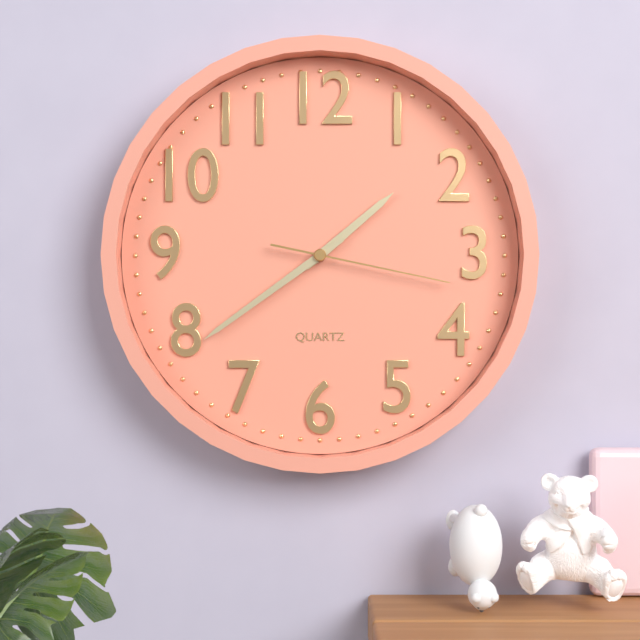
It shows 1 h 39 min 17 s
